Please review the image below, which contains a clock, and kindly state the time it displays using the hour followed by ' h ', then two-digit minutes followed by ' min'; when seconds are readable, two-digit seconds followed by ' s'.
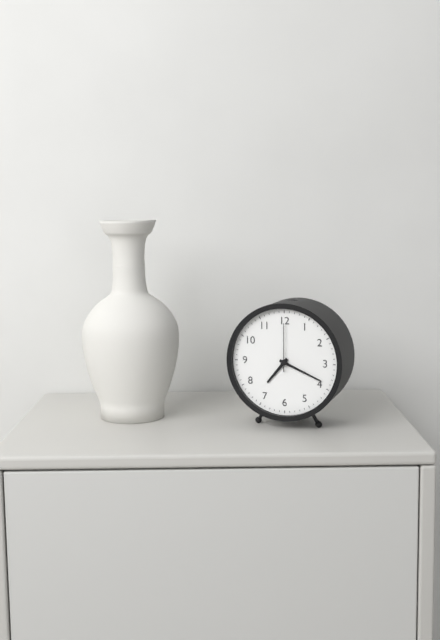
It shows 7 h 19 min
